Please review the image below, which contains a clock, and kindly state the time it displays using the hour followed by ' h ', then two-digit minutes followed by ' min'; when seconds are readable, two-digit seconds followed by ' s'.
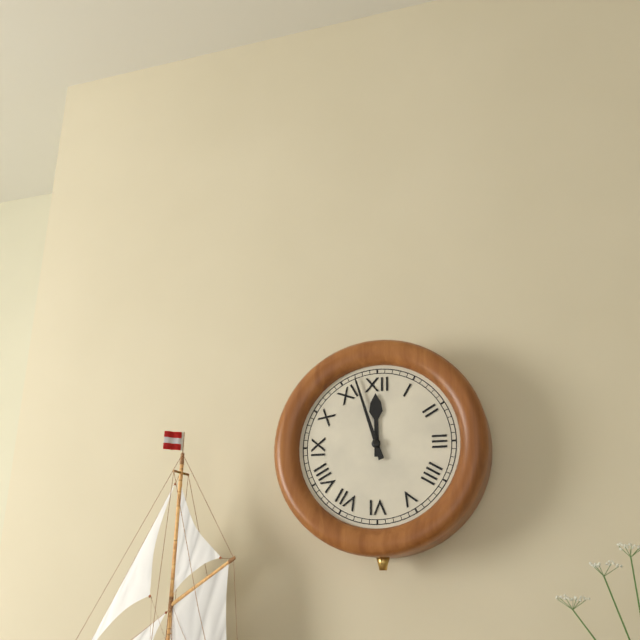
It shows 11 h 57 min
